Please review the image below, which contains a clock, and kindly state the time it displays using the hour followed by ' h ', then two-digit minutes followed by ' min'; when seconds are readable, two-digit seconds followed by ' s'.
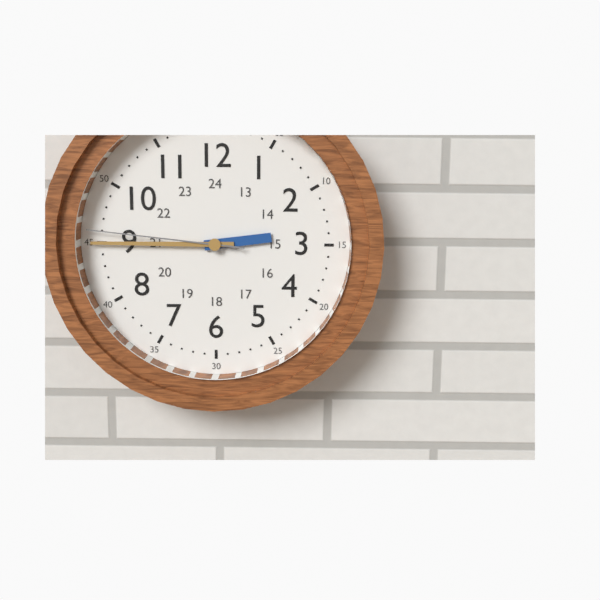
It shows 2 h 45 min 46 s
